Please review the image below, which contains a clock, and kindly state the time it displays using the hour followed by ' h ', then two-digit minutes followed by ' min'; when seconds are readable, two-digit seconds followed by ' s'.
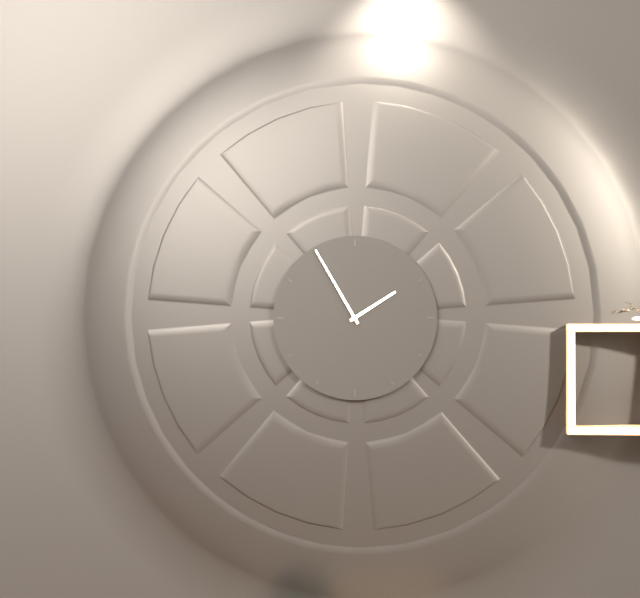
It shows 1 h 55 min
